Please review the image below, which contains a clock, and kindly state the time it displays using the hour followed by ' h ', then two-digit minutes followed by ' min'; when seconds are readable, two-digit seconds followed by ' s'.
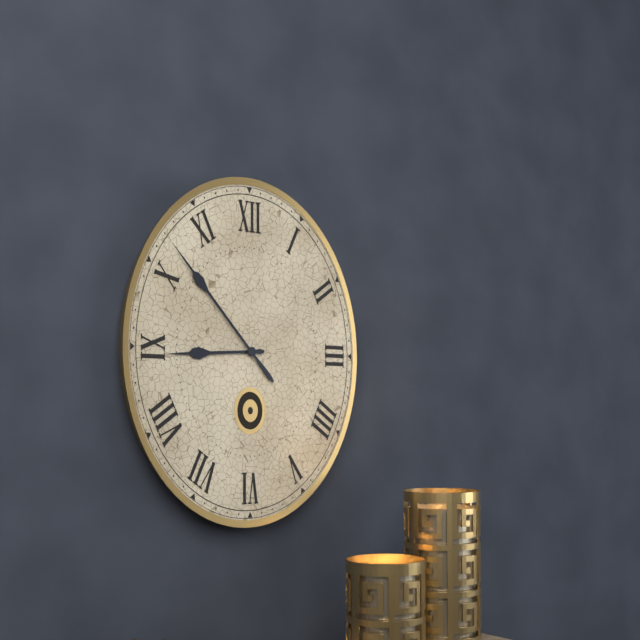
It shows 8 h 53 min
